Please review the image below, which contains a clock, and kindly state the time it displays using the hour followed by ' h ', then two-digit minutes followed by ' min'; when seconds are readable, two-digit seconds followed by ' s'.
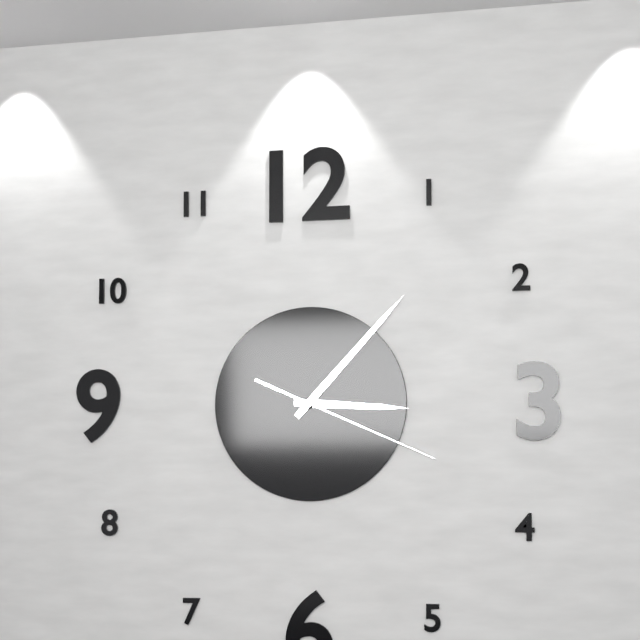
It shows 3 h 07 min 19 s
